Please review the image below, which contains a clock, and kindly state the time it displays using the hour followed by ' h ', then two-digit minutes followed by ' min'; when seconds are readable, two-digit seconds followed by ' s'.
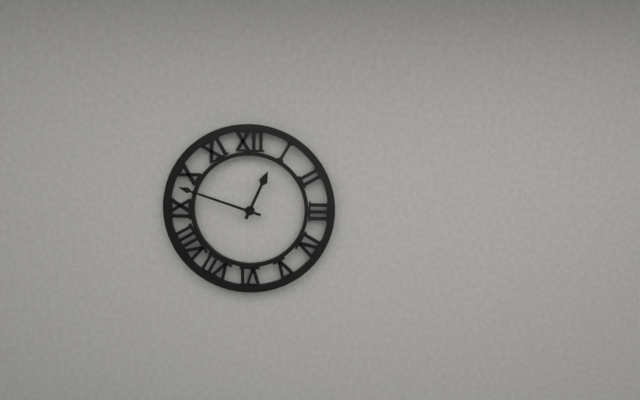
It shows 12 h 48 min
